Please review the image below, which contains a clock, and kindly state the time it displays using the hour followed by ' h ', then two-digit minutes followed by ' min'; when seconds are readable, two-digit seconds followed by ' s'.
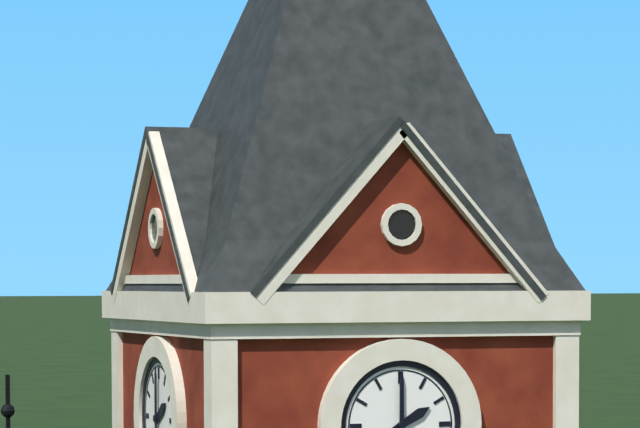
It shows 2 h 00 min
